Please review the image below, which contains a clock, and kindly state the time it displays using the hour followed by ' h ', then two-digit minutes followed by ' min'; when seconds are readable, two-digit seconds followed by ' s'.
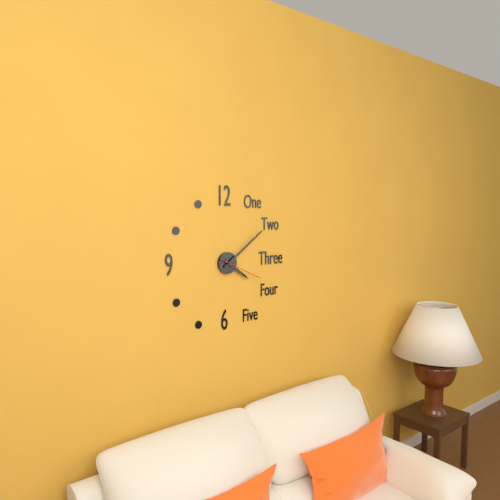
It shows 4 h 09 min
